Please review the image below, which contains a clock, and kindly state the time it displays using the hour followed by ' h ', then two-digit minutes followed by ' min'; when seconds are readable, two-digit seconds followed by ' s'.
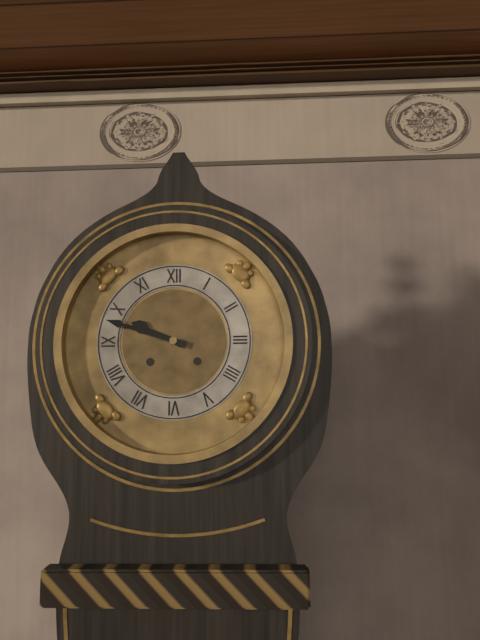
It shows 9 h 48 min
